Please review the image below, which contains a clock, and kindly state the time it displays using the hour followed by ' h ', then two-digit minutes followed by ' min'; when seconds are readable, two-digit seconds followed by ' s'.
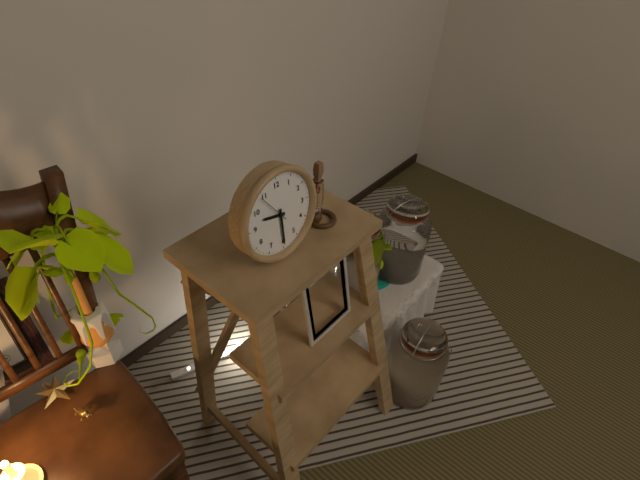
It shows 9 h 30 min
